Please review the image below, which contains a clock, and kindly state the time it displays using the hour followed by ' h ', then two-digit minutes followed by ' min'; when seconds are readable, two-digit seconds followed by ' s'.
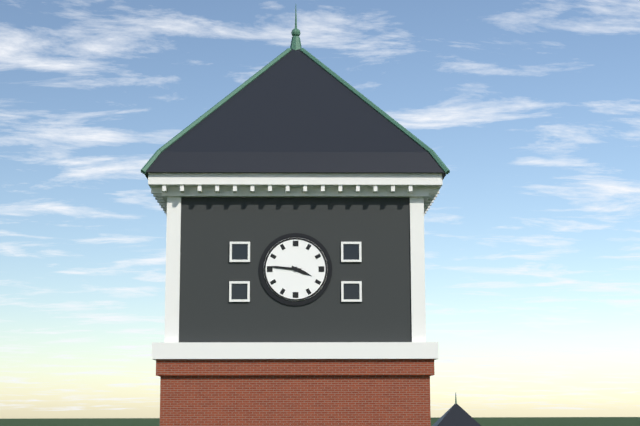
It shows 3 h 46 min
